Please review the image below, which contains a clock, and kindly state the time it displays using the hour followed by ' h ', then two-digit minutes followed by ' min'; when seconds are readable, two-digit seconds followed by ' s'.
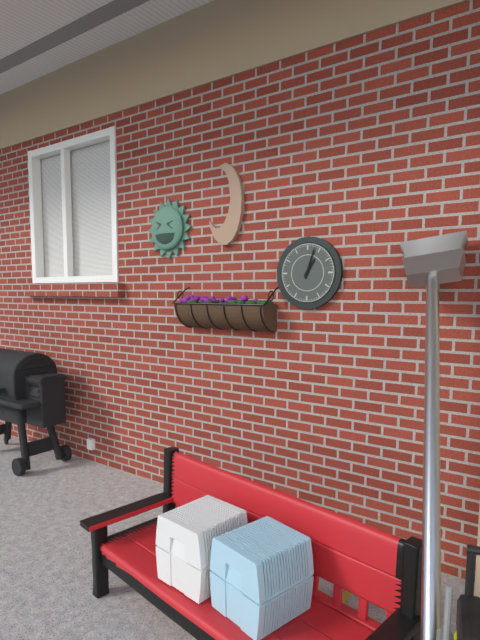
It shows 1 h 03 min
